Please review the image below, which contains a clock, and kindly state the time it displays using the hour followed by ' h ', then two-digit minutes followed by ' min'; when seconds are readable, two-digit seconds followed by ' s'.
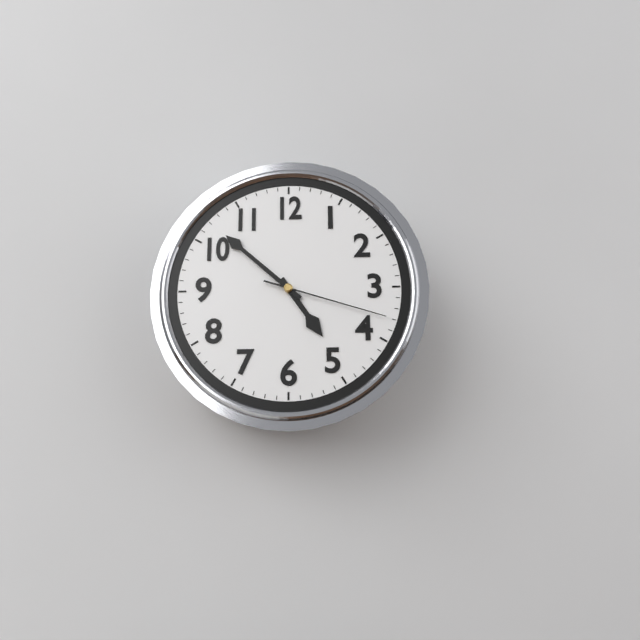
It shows 4 h 52 min 18 s
